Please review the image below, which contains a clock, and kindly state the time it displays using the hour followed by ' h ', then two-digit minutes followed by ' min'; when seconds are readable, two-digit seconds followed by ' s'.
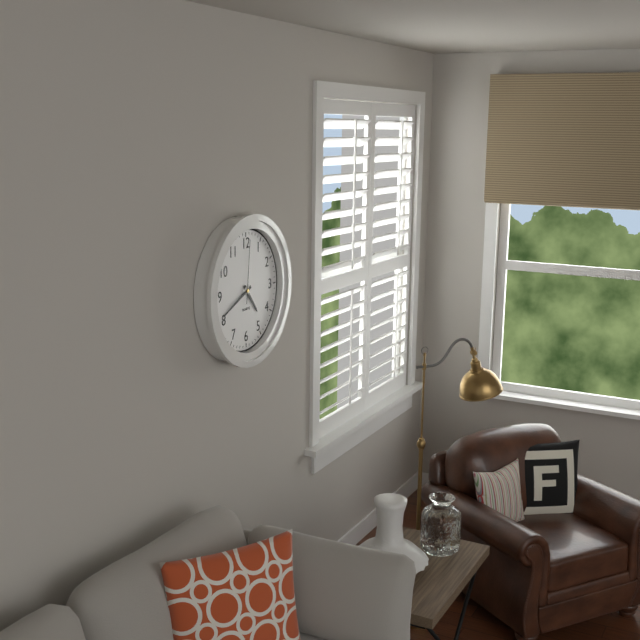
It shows 4 h 41 min 01 s
